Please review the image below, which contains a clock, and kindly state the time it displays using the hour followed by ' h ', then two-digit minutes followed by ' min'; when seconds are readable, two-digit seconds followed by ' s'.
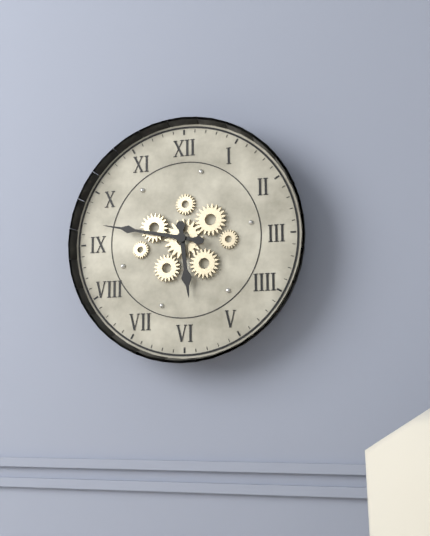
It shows 5 h 47 min
